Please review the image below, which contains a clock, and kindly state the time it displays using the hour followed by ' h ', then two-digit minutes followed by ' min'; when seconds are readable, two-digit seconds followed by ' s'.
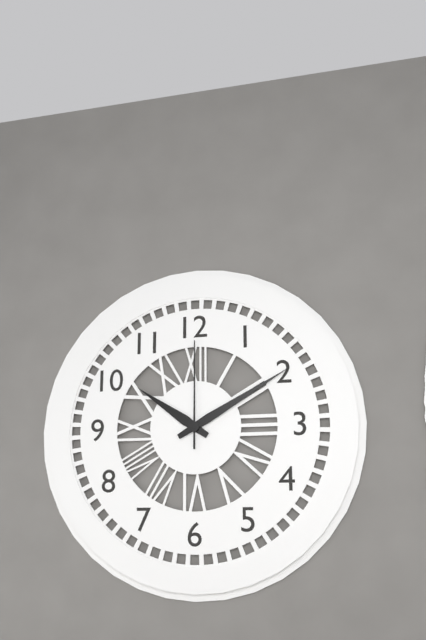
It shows 10 h 10 min 00 s
